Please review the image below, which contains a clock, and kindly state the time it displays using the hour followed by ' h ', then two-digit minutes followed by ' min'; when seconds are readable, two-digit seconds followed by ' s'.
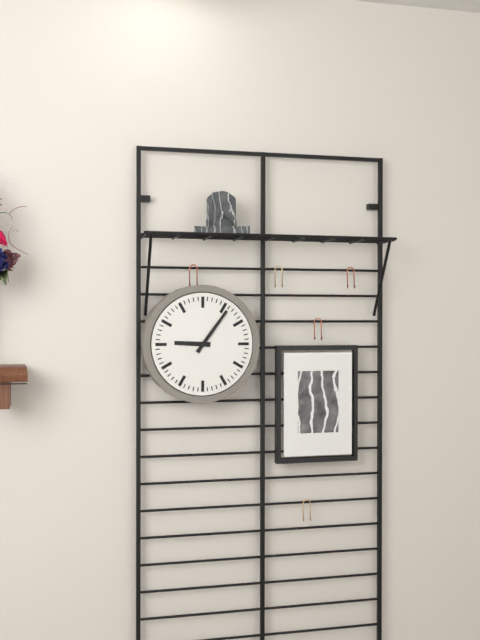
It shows 9 h 06 min
